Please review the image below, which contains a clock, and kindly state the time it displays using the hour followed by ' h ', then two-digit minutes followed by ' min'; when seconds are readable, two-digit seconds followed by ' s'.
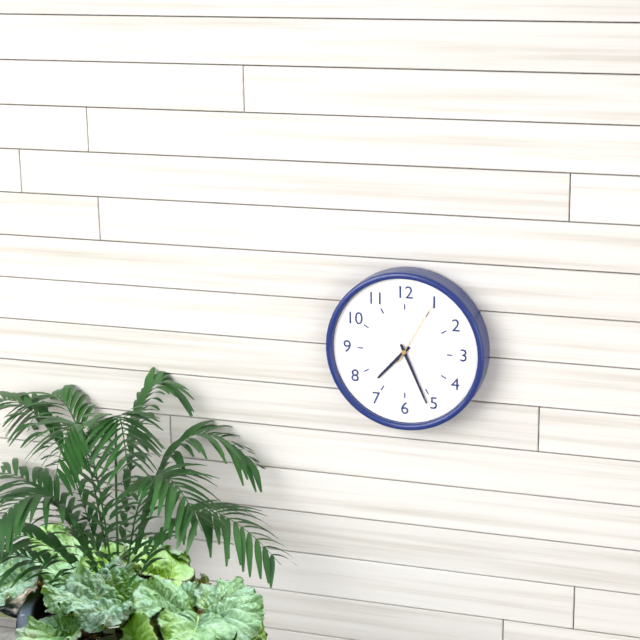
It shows 7 h 26 min 05 s
